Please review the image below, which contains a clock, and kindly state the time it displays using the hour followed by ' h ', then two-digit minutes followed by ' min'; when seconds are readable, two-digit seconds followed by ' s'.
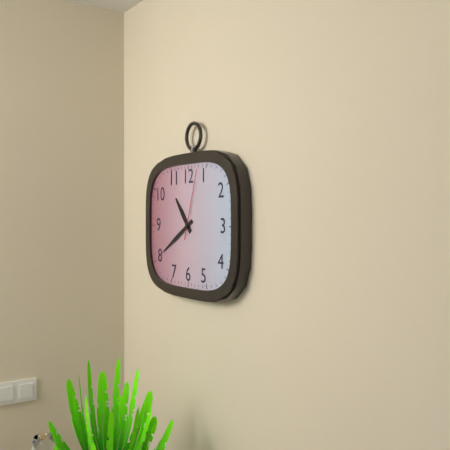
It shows 10 h 40 min 03 s
